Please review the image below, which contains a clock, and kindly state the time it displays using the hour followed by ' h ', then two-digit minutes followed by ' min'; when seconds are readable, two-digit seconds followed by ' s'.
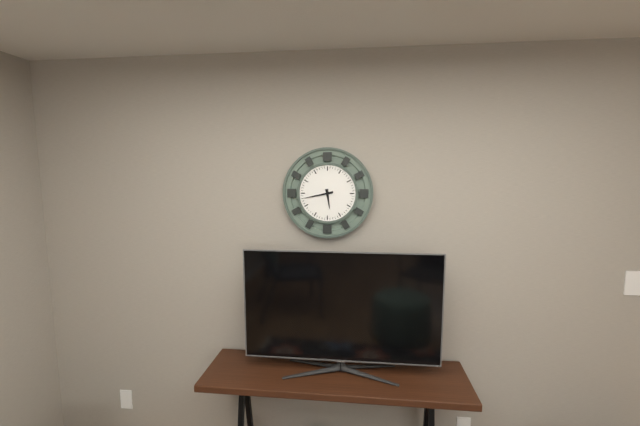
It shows 5 h 43 min
